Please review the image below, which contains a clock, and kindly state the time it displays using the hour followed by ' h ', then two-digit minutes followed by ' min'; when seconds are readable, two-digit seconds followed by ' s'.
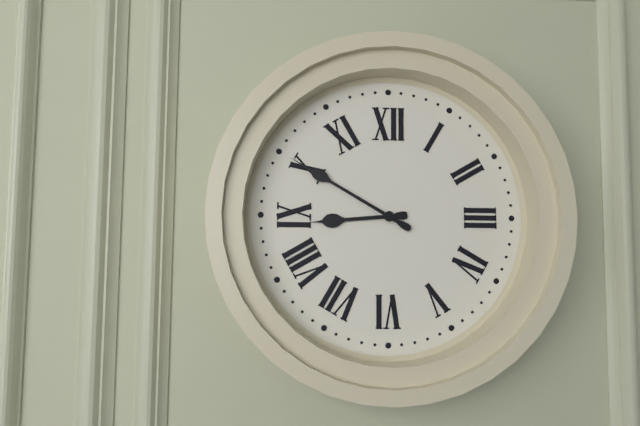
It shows 8 h 50 min
